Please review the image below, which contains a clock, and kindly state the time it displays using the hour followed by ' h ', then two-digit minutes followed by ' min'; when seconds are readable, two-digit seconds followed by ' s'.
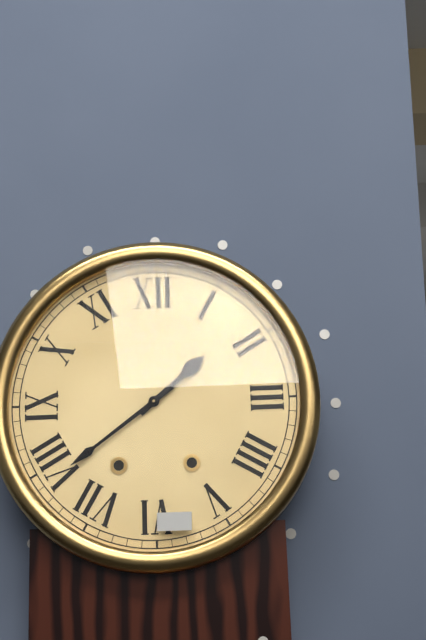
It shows 1 h 39 min
